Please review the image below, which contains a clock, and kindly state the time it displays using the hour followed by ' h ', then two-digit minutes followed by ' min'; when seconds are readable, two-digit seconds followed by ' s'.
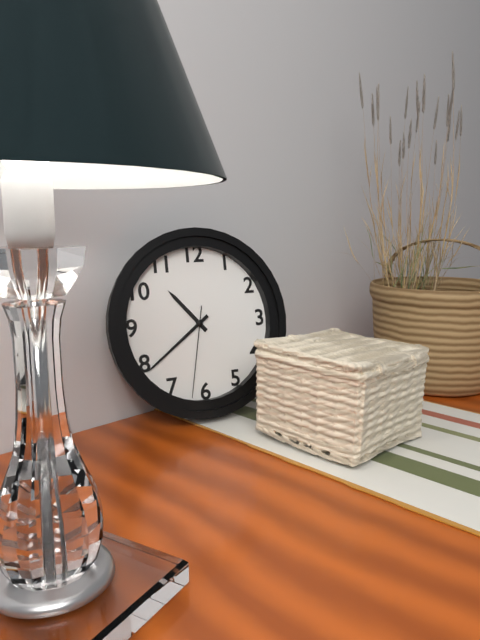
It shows 10 h 39 min 32 s
